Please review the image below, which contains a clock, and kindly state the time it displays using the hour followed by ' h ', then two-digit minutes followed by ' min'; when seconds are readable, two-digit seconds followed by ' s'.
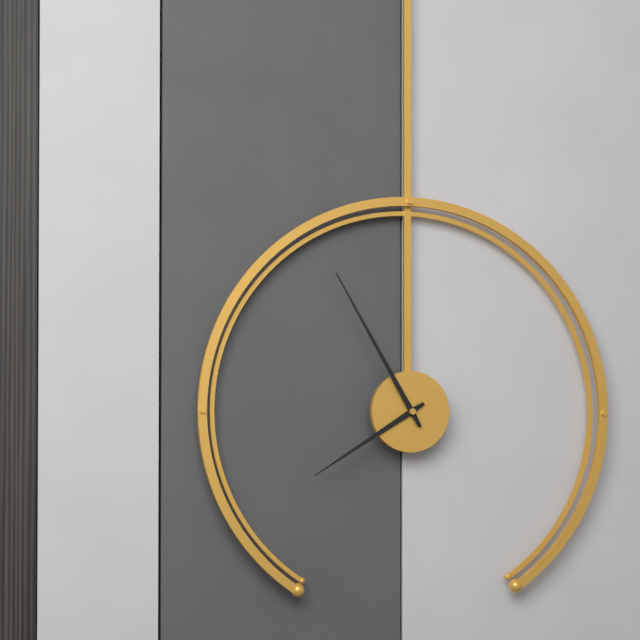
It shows 7 h 55 min
